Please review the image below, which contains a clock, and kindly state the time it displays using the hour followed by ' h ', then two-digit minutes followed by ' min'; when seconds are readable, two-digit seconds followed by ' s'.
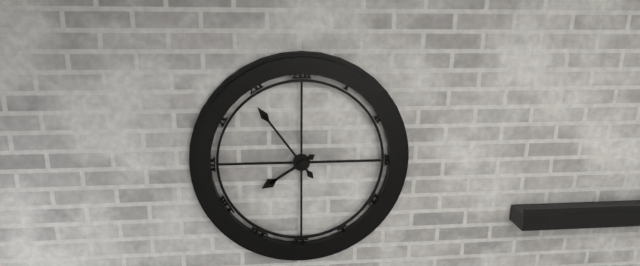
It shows 7 h 54 min
